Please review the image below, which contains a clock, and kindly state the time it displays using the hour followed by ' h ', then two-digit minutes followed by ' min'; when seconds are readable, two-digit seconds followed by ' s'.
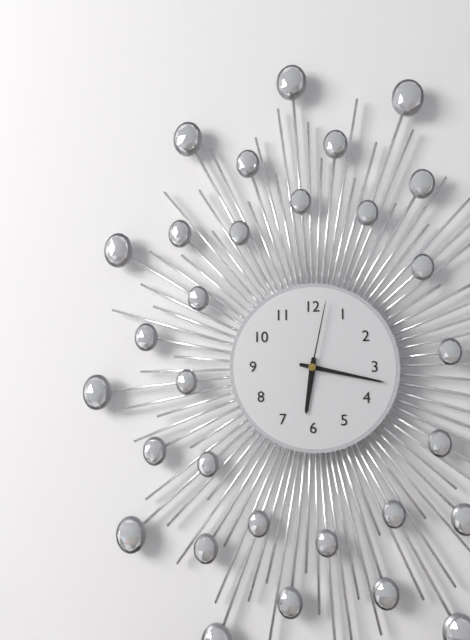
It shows 6 h 17 min 02 s
